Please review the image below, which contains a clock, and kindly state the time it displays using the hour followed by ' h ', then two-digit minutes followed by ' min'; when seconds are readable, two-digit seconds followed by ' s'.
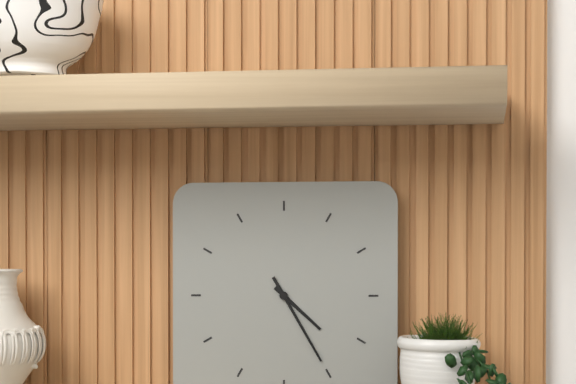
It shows 4 h 25 min
